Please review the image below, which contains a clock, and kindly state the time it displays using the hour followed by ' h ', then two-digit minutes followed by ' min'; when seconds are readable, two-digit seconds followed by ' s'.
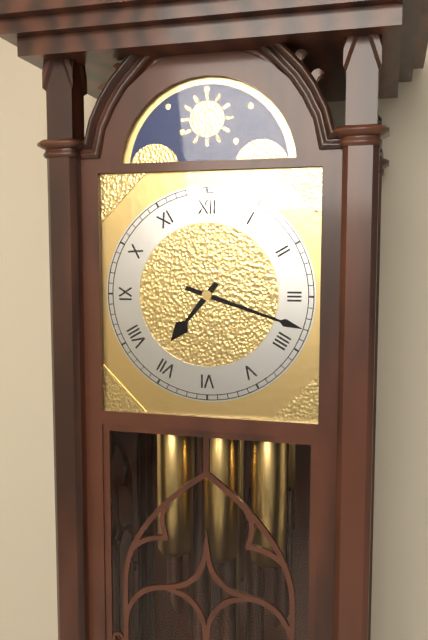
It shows 7 h 18 min
